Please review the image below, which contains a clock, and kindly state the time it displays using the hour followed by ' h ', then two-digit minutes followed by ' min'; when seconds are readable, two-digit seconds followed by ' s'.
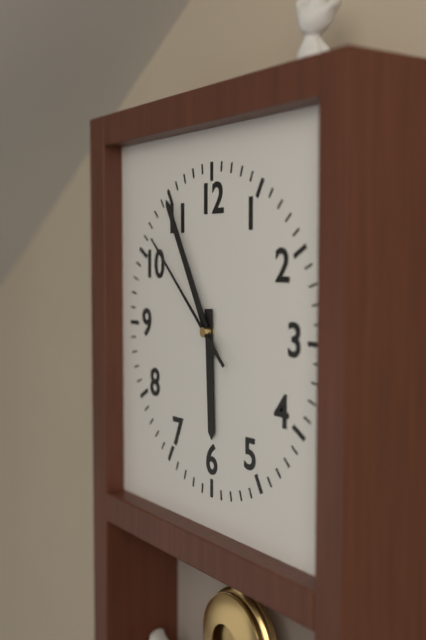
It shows 5 h 55 min 52 s
